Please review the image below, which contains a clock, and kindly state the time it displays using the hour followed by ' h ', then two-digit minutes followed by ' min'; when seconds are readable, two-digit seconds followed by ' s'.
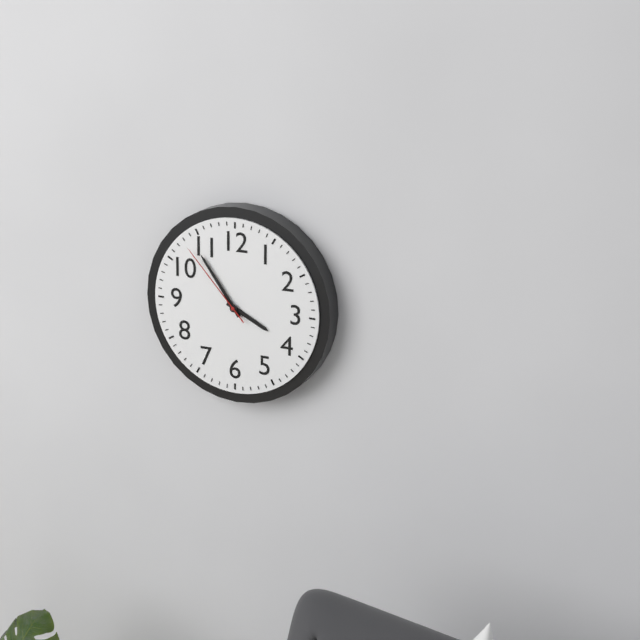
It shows 3 h 54 min 53 s
